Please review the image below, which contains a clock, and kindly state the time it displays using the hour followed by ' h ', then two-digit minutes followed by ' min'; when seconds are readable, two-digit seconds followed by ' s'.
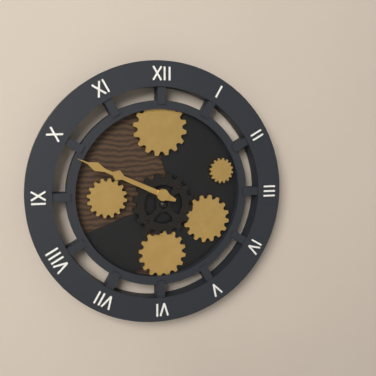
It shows 9 h 49 min
